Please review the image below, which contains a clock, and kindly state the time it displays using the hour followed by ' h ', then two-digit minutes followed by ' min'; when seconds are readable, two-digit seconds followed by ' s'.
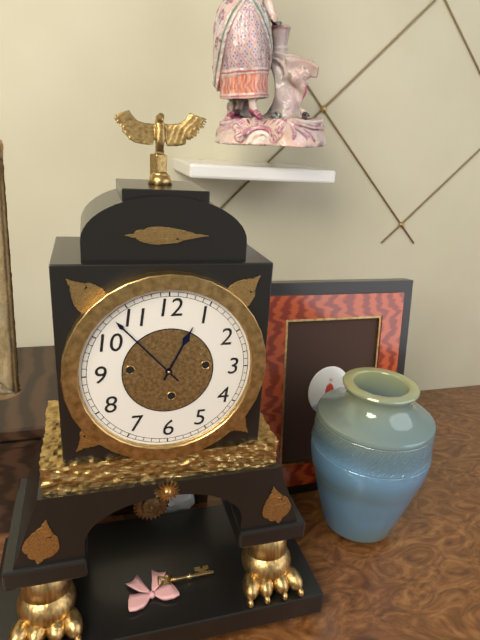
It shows 12 h 53 min
